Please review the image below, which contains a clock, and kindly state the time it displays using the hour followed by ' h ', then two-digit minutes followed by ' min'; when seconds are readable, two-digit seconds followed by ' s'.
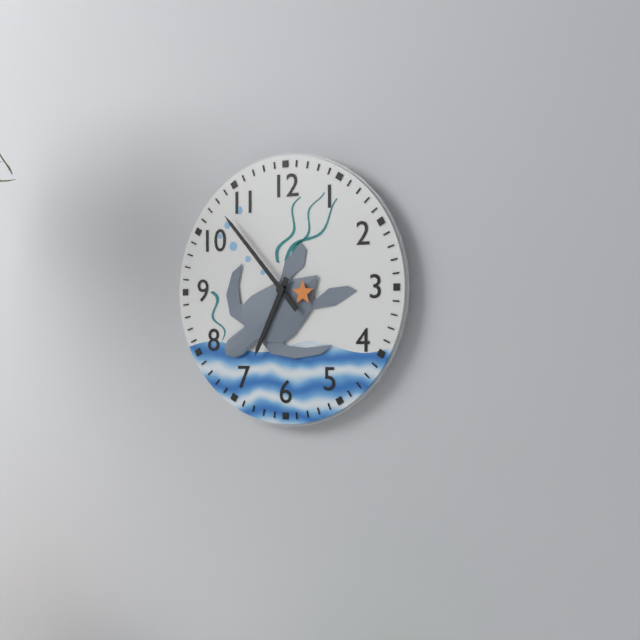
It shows 6 h 53 min
